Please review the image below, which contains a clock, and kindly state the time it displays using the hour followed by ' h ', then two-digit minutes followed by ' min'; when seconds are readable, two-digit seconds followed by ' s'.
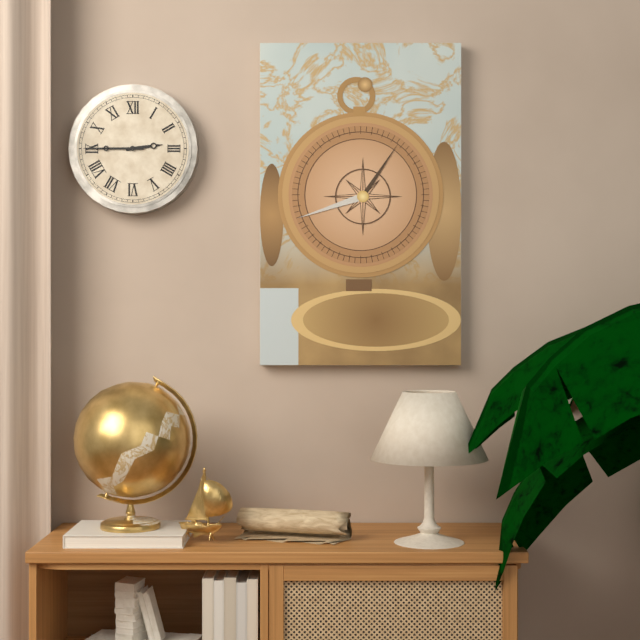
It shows 2 h 45 min
